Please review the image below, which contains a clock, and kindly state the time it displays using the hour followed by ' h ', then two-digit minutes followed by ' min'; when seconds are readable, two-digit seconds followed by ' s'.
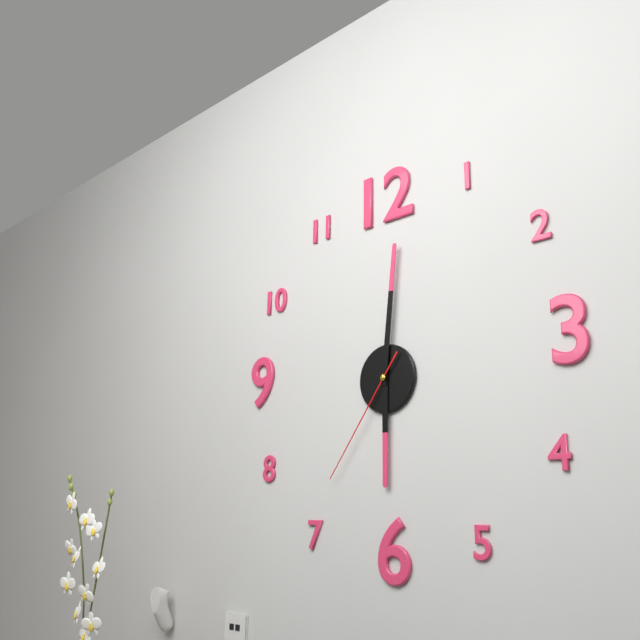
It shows 6 h 01 min 36 s
